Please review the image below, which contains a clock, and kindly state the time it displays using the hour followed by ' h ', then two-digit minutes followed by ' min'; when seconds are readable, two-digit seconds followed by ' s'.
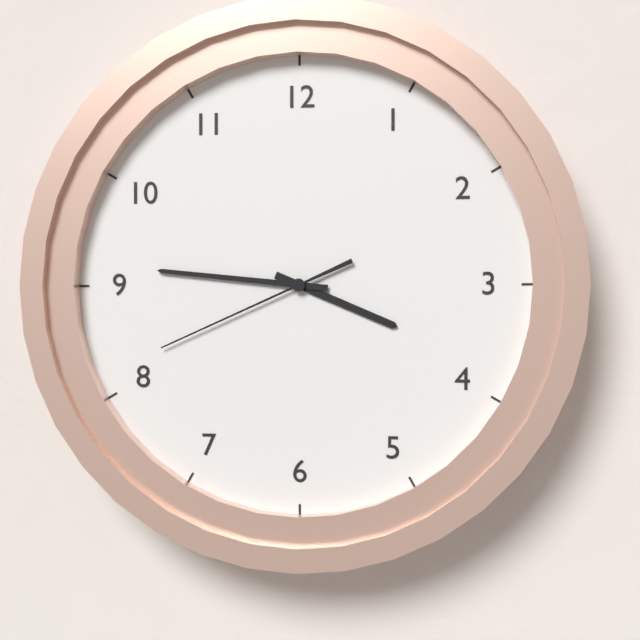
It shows 3 h 46 min 41 s
